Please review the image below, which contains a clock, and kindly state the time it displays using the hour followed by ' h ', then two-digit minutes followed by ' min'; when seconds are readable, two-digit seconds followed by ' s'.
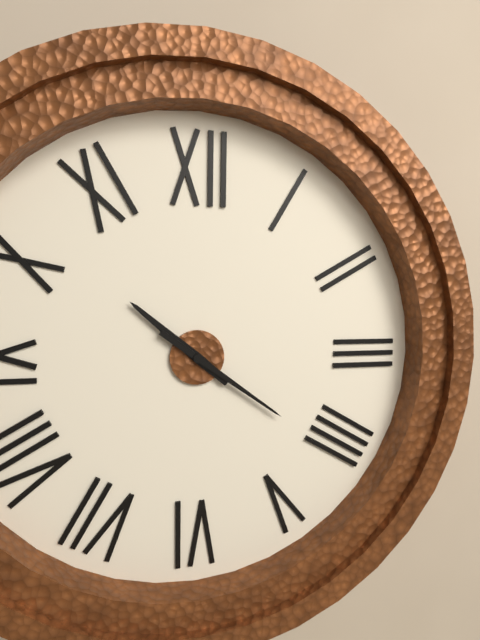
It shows 10 h 21 min
